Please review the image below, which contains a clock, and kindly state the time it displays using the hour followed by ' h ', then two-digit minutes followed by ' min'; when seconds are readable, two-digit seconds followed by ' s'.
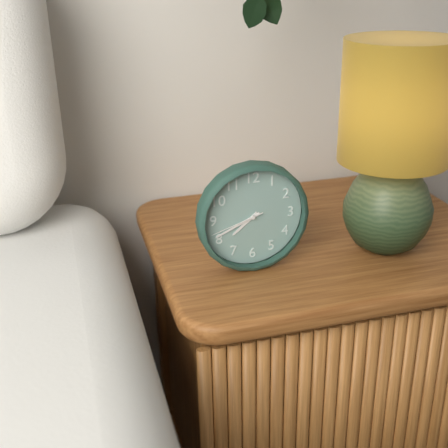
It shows 7 h 41 min 42 s
